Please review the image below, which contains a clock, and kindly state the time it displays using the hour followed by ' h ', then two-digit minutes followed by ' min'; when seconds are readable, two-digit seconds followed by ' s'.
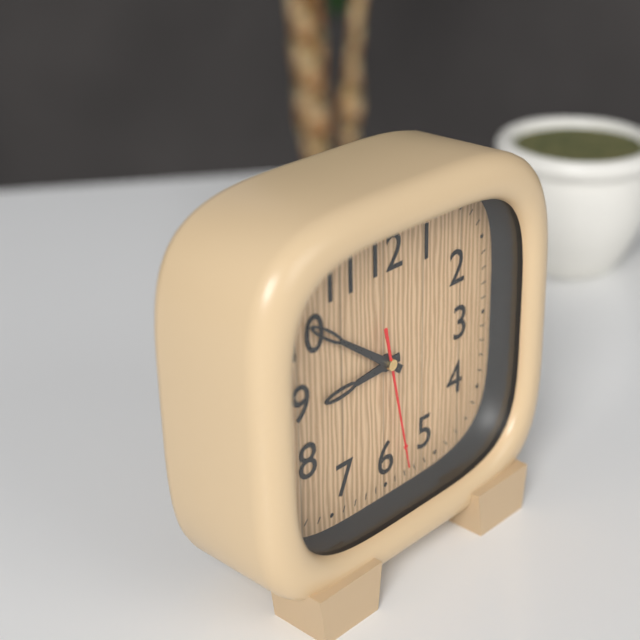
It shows 8 h 51 min 28 s
